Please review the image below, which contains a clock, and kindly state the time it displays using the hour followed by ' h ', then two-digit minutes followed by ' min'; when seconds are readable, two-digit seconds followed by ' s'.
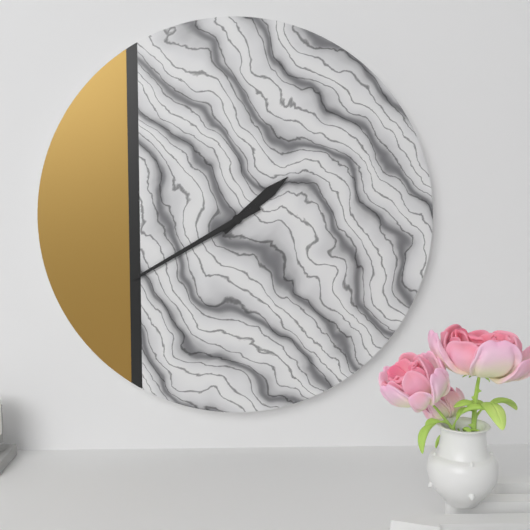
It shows 1 h 40 min
